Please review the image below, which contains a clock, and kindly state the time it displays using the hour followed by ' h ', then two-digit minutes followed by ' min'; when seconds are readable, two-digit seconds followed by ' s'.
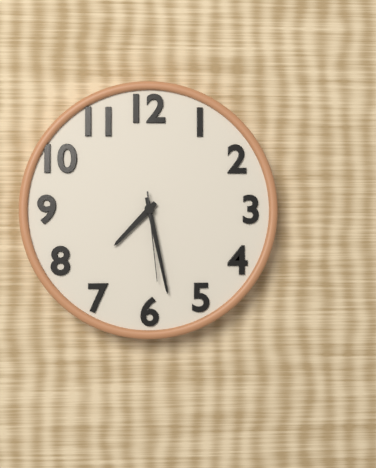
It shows 7 h 28 min 29 s
